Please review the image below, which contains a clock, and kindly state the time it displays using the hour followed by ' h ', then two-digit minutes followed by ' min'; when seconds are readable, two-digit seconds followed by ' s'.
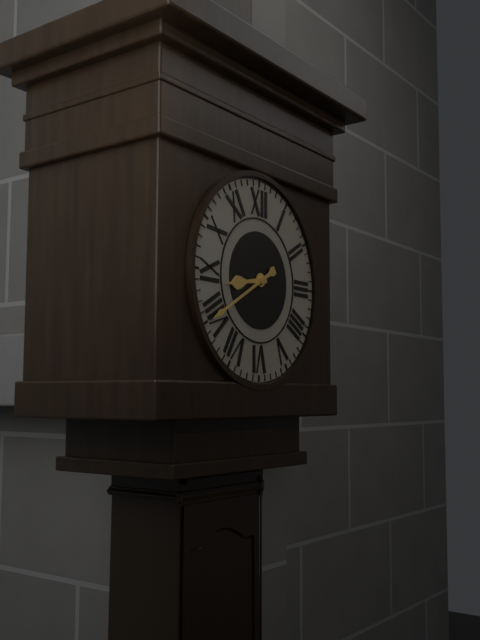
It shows 8 h 40 min
